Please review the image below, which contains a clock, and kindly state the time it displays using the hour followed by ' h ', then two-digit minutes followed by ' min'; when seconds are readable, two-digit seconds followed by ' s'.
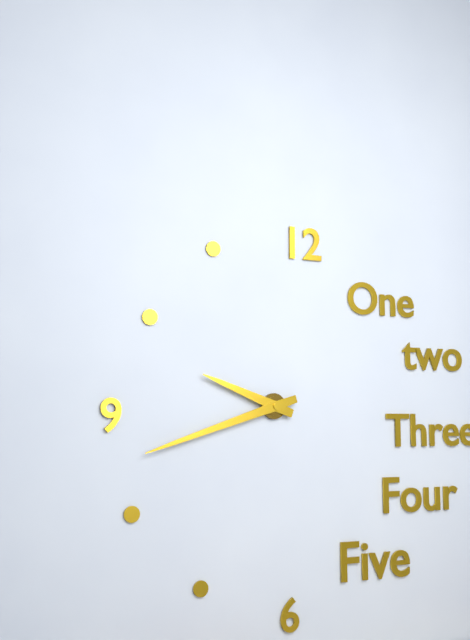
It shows 9 h 42 min
